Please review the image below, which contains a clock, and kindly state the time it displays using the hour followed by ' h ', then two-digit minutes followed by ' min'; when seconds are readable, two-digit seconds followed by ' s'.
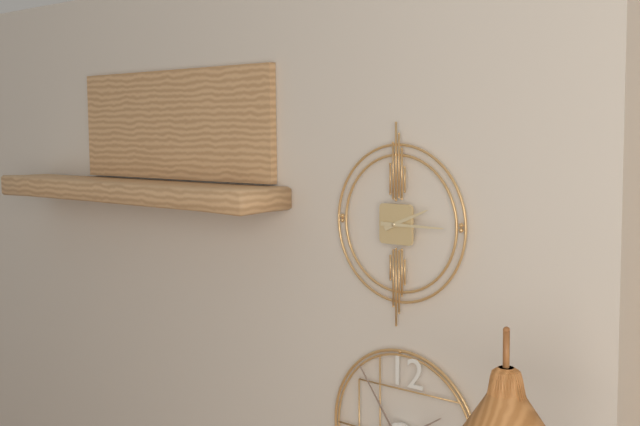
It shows 2 h 15 min
